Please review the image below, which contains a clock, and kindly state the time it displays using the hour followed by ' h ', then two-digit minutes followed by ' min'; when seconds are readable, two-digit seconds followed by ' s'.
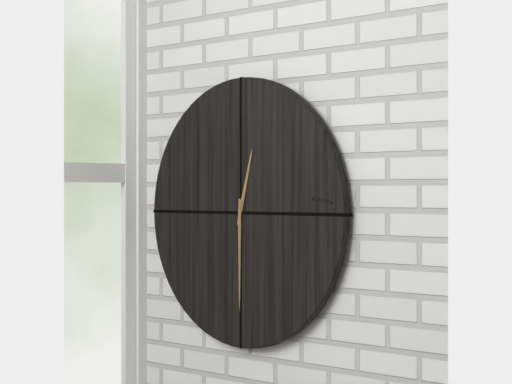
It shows 12 h 30 min
